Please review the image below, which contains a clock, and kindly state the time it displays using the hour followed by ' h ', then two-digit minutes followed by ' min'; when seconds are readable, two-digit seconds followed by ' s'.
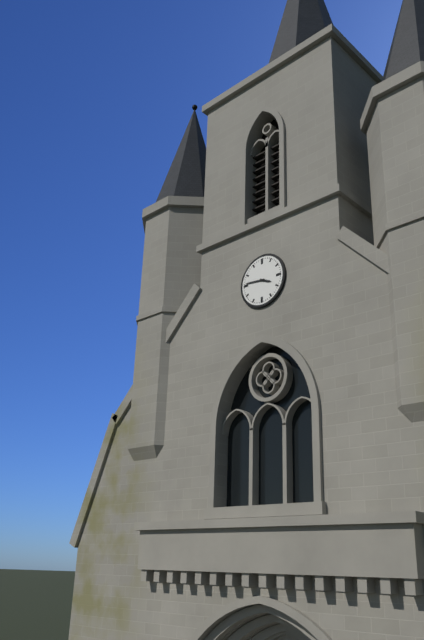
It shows 3 h 46 min
